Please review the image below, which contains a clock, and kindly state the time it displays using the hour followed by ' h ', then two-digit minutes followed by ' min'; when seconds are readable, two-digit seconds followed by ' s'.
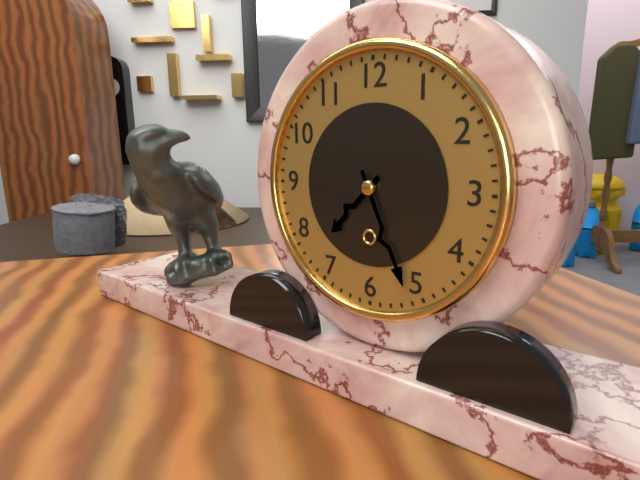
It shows 7 h 26 min
